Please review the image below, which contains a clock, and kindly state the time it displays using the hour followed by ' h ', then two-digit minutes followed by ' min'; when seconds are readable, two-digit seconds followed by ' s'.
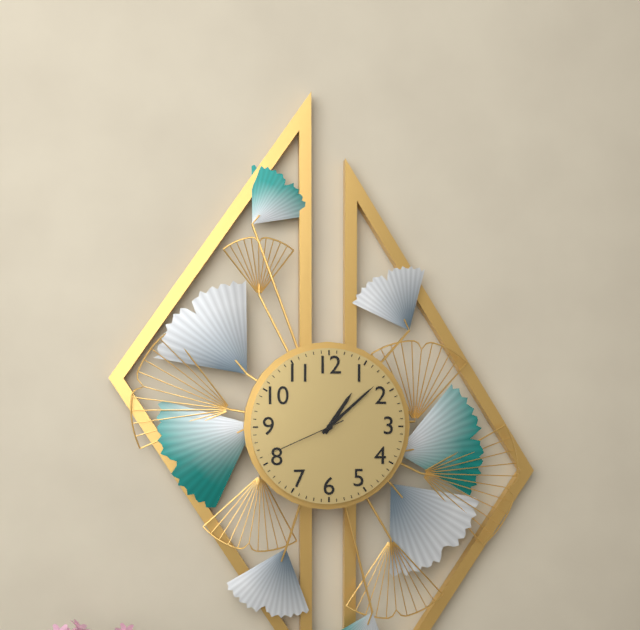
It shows 1 h 08 min 41 s
